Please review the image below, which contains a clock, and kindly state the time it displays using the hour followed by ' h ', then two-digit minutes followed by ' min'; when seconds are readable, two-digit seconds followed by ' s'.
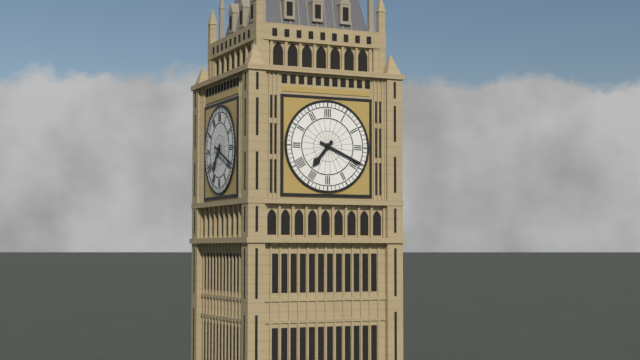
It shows 7 h 19 min
